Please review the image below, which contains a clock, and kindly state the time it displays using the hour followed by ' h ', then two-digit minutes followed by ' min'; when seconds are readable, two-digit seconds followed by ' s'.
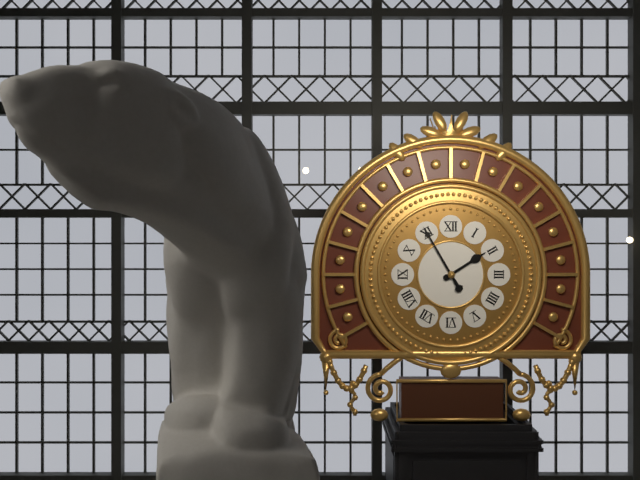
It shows 1 h 55 min
